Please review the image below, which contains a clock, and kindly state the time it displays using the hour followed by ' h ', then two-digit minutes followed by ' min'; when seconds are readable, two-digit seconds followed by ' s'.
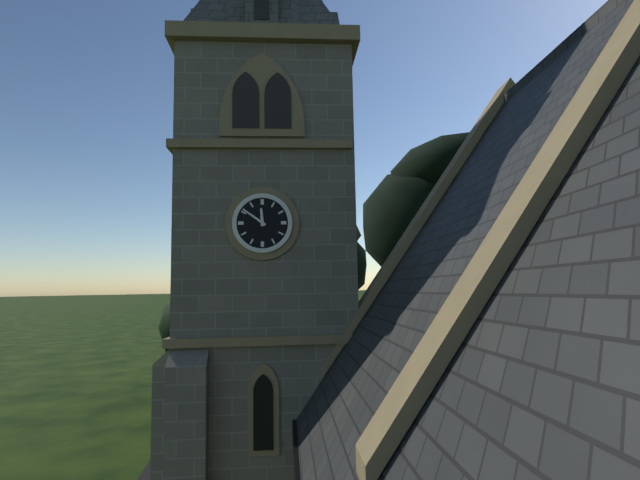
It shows 11 h 51 min
